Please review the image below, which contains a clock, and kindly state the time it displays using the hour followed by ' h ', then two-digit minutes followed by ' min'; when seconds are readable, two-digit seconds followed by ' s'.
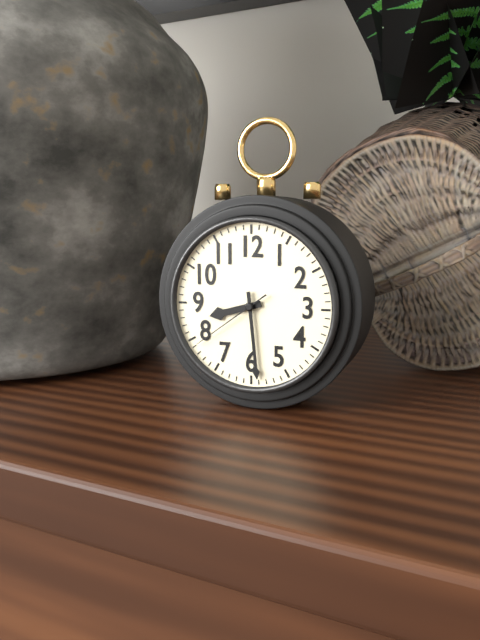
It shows 8 h 29 min 39 s
